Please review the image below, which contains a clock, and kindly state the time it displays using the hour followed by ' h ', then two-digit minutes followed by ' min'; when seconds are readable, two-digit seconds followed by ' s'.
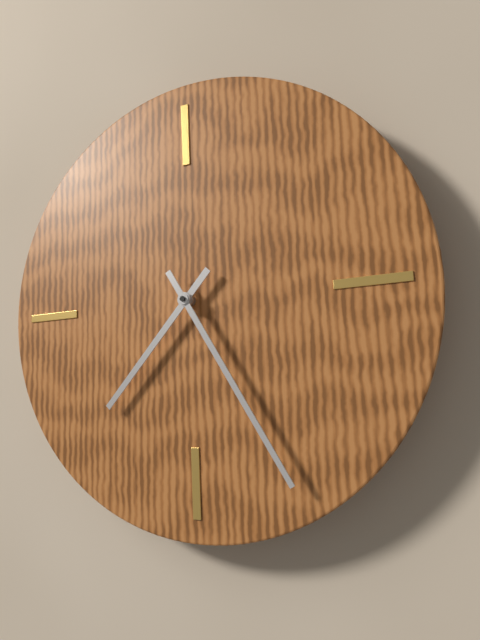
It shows 7 h 25 min
